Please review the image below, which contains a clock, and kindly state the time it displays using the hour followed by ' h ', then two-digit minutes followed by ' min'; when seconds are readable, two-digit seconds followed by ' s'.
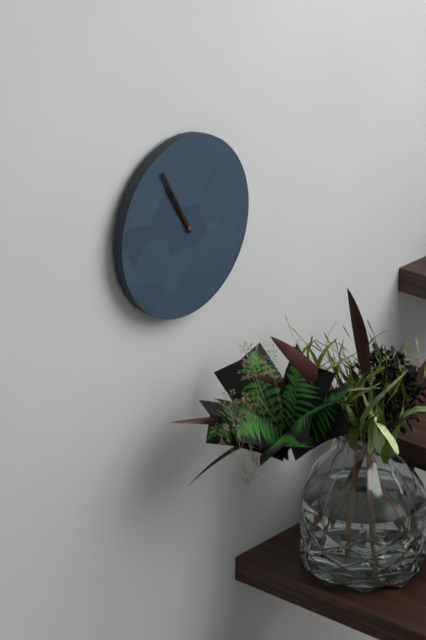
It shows 10 h 55 min
